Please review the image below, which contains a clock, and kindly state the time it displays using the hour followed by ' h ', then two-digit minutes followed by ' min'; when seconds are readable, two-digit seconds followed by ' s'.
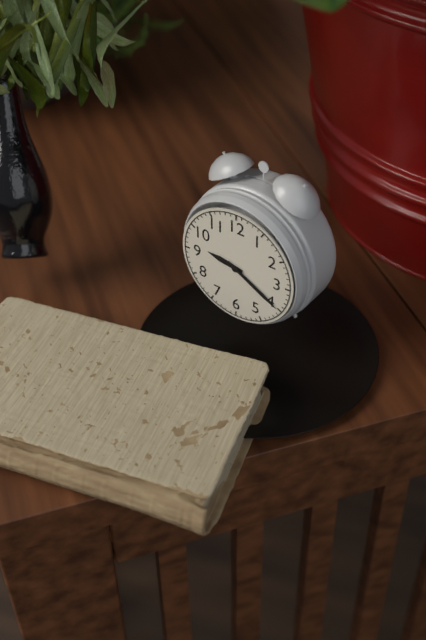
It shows 9 h 20 min
